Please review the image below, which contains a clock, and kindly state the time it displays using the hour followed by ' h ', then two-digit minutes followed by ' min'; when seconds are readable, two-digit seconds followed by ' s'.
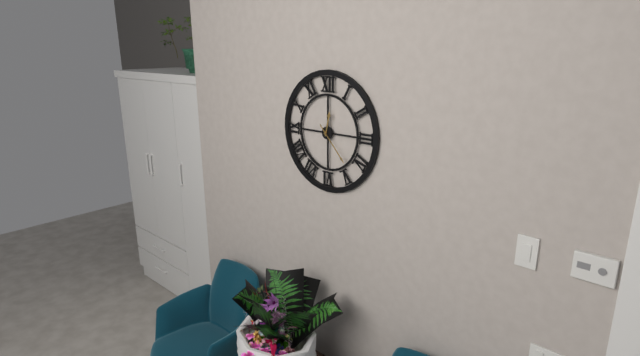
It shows 12 h 23 min
